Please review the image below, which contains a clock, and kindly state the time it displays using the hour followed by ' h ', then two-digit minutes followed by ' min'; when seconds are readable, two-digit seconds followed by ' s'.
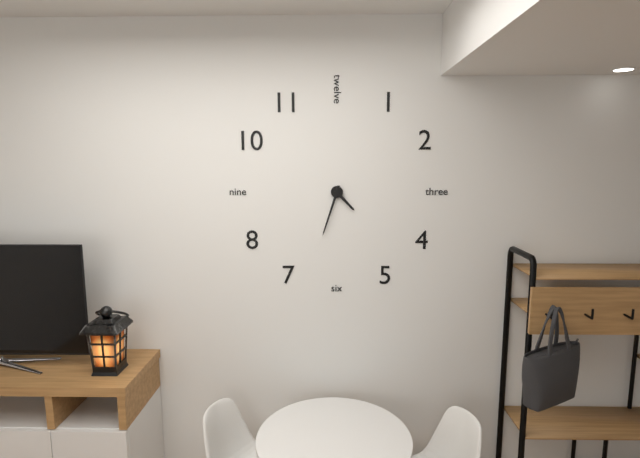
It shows 4 h 33 min
